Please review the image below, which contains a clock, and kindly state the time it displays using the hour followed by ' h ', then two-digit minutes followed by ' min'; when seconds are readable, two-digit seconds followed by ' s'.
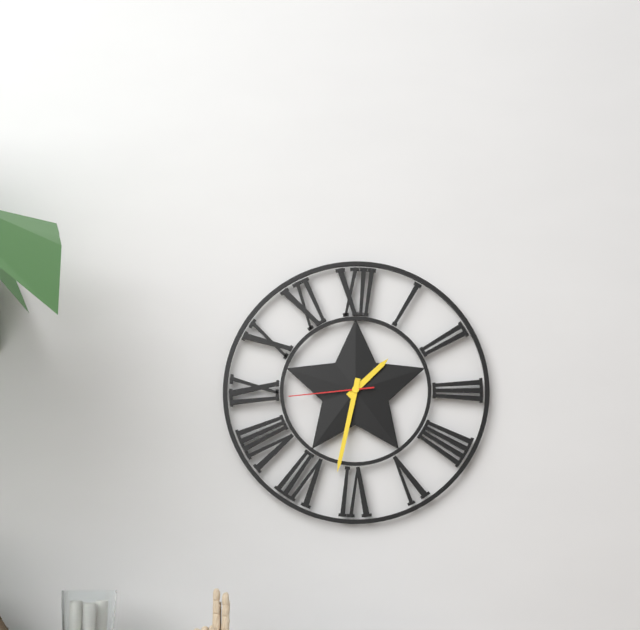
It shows 1 h 32 min 44 s
